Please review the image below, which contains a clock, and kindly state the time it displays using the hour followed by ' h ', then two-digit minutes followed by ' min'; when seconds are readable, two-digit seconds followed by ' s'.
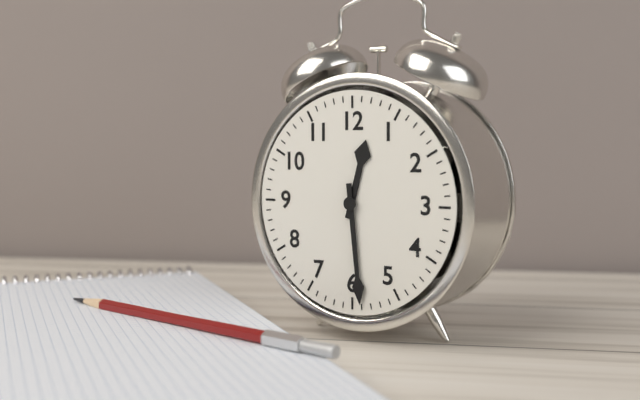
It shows 12 h 29 min
